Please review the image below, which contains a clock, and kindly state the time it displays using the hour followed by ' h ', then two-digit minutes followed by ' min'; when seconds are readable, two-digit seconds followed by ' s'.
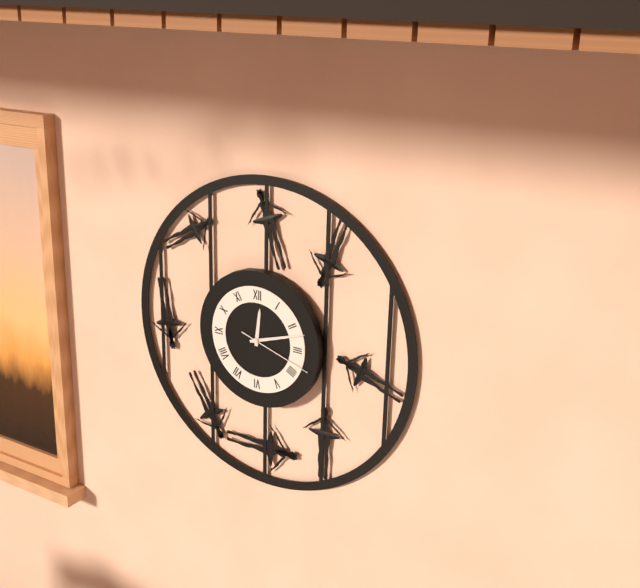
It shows 12 h 12 min 18 s
